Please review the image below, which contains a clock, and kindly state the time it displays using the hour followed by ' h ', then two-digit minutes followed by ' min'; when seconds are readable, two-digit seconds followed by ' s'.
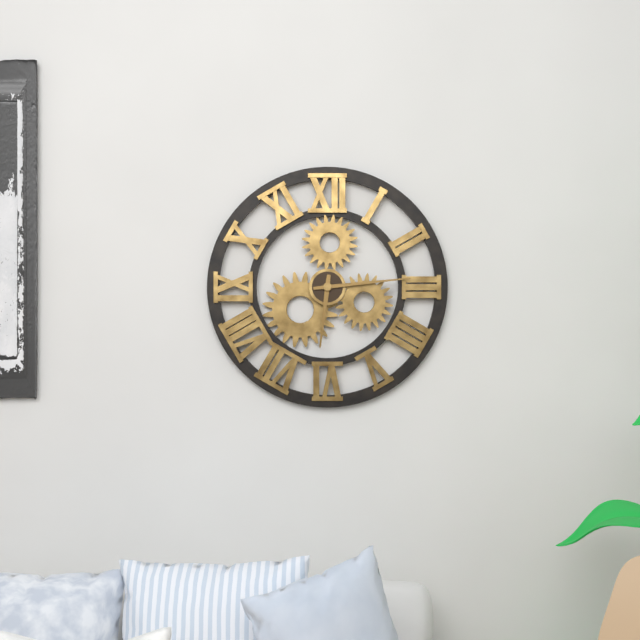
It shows 6 h 14 min
